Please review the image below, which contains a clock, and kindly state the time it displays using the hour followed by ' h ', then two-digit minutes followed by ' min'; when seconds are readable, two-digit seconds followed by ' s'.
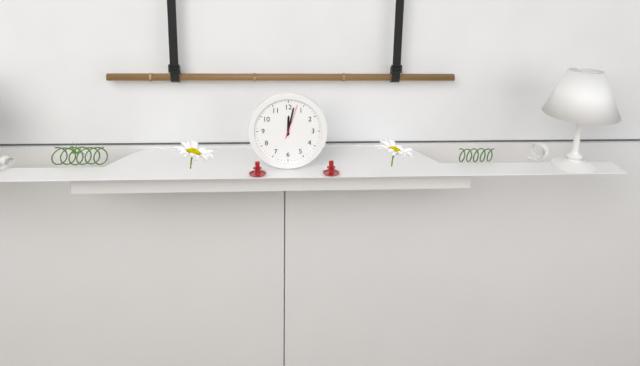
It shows 12 h 02 min
